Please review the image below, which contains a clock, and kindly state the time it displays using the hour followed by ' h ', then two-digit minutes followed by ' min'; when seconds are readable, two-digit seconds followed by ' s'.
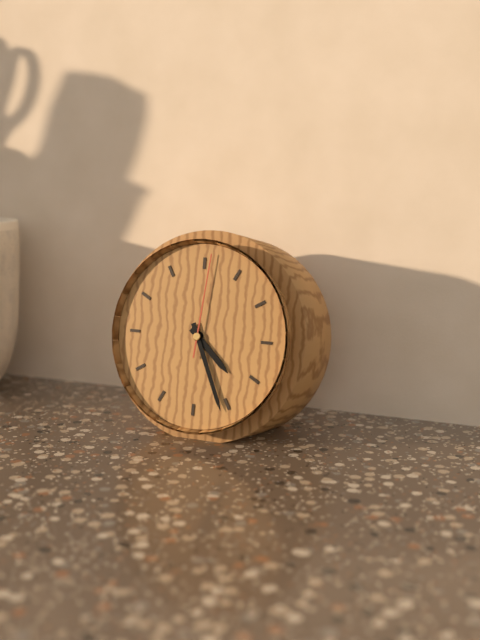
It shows 4 h 26 min 01 s
